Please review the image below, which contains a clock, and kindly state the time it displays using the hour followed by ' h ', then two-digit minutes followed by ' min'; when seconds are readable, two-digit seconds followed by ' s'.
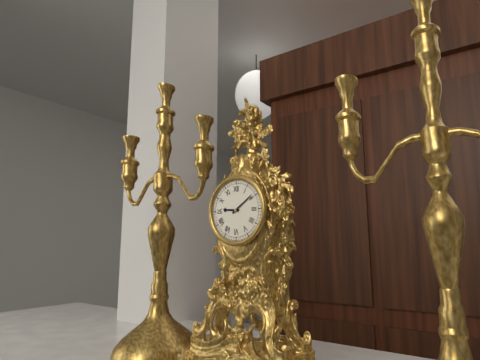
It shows 9 h 09 min
